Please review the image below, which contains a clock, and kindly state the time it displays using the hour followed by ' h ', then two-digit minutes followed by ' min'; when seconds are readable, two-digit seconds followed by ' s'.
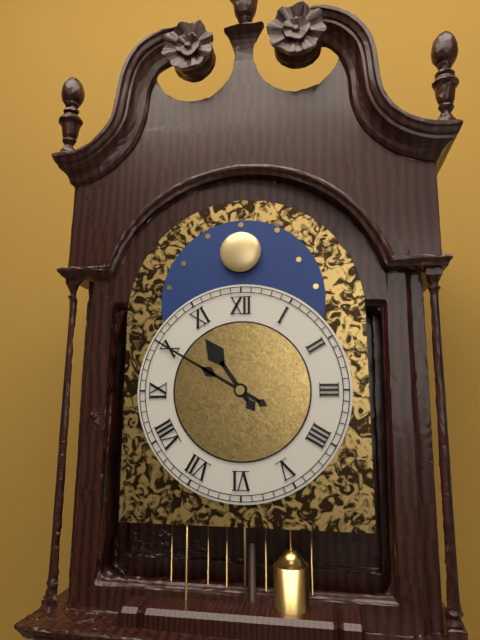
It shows 10 h 50 min
